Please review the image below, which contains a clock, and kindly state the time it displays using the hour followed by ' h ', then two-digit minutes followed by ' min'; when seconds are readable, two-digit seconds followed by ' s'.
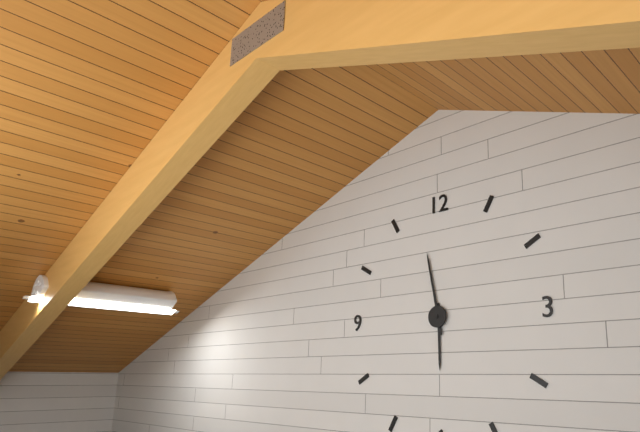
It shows 5 h 58 min
